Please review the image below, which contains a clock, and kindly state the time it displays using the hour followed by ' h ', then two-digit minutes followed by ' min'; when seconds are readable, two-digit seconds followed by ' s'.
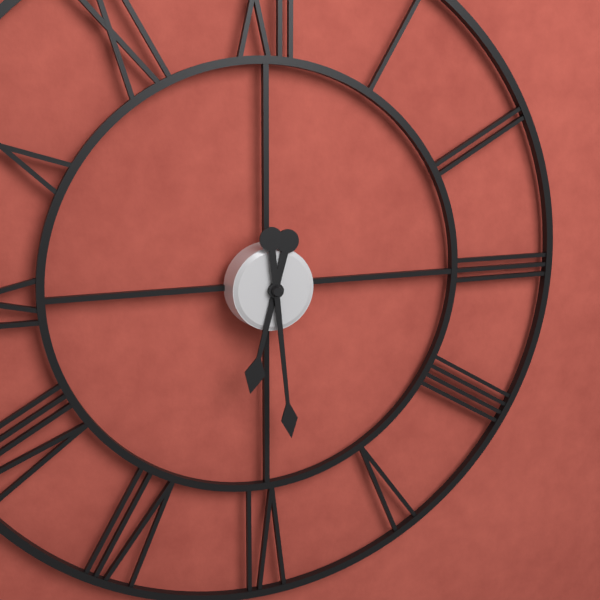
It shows 6 h 29 min
